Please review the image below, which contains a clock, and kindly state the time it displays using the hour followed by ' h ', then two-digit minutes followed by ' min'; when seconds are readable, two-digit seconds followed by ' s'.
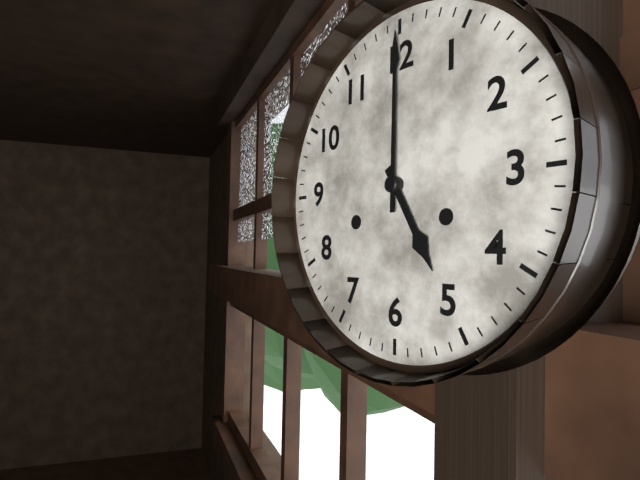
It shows 5 h 00 min
